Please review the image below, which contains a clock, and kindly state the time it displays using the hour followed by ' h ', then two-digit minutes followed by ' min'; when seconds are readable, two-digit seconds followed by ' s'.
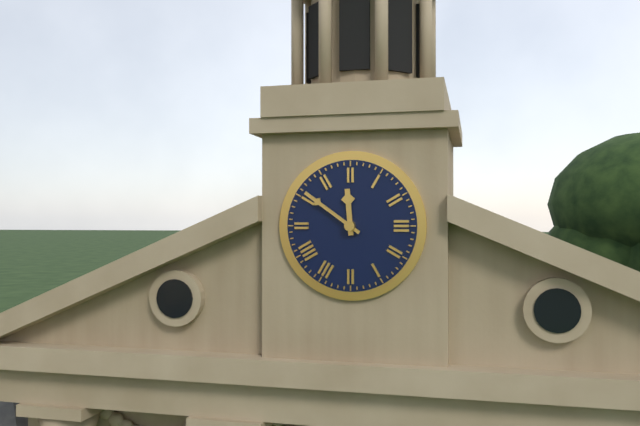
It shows 11 h 51 min
